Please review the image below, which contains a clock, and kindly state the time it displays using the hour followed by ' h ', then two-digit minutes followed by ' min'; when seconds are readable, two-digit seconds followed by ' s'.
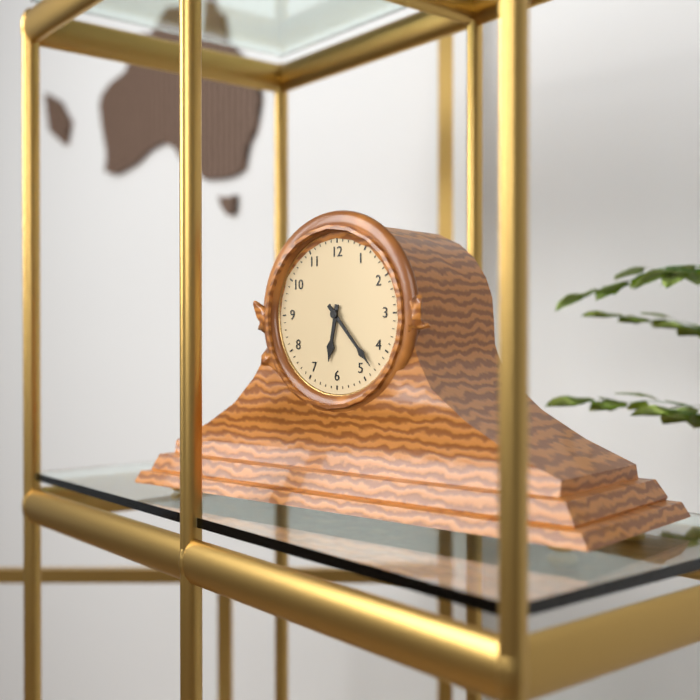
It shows 6 h 23 min
